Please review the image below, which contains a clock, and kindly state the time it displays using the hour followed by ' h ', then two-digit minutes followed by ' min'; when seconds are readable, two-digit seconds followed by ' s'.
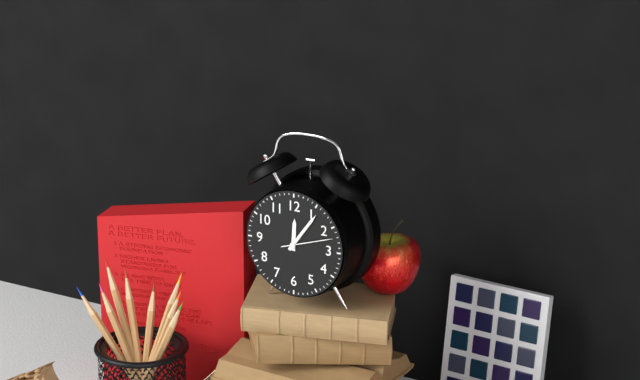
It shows 12 h 06 min 12 s
